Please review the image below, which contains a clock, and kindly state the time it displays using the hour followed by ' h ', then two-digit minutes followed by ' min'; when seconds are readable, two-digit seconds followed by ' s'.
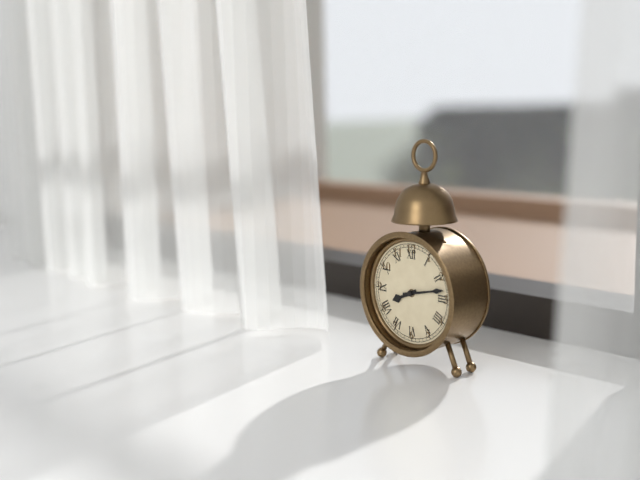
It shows 8 h 13 min
